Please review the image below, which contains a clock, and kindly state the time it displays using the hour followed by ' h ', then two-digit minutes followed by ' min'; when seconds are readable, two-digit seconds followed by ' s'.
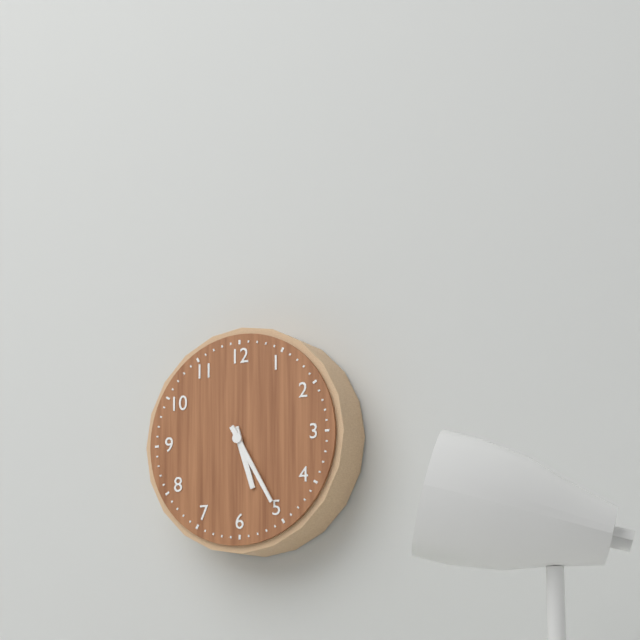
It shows 5 h 25 min
